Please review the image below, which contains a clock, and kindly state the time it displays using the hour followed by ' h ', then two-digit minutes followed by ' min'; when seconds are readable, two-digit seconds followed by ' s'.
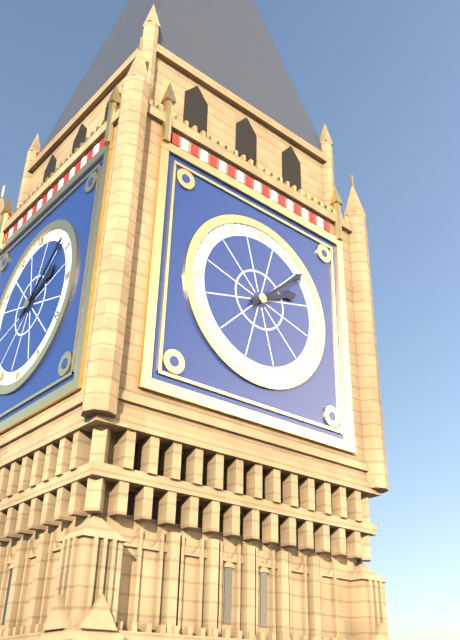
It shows 2 h 08 min
